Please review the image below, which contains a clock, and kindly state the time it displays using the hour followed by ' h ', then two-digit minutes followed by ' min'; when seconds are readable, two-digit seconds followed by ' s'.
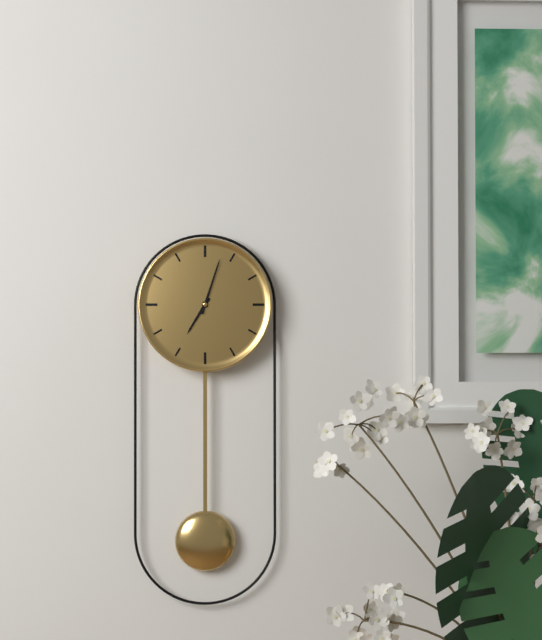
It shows 7 h 03 min
